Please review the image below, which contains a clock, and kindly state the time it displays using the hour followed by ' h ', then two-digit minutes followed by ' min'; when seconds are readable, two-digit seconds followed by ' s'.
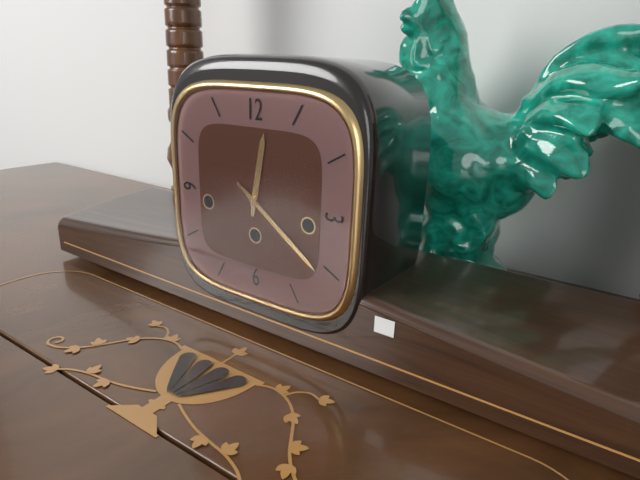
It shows 12 h 21 min
